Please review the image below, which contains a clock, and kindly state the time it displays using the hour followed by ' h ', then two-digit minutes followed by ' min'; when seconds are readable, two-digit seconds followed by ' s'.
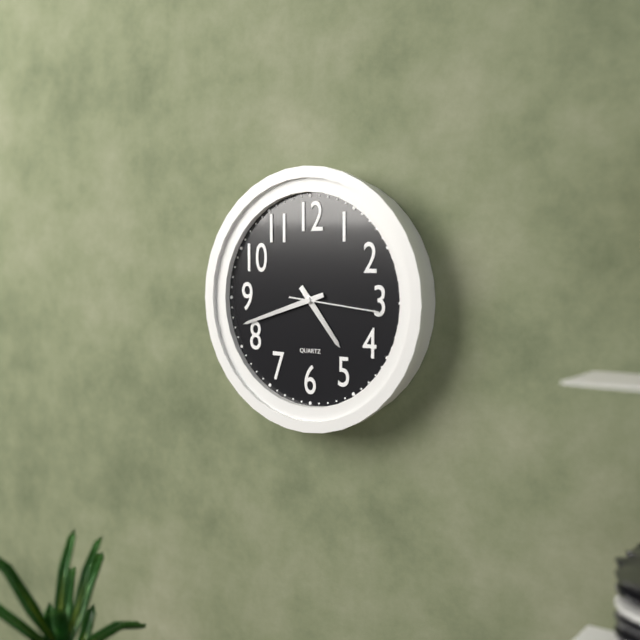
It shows 4 h 42 min 16 s
